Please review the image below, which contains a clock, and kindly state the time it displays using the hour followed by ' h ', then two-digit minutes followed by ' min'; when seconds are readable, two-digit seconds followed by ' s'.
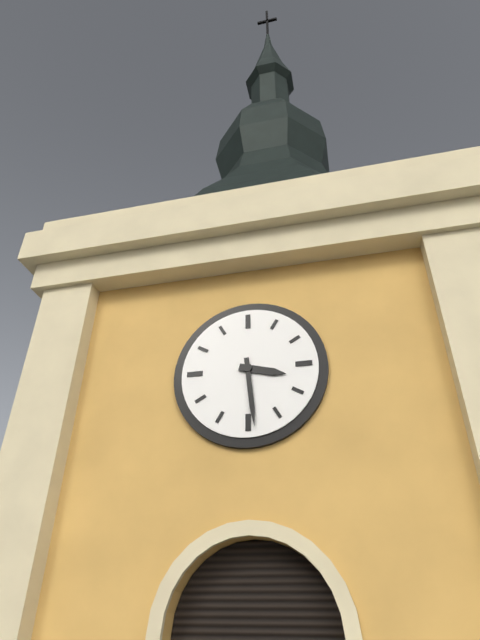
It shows 3 h 29 min
